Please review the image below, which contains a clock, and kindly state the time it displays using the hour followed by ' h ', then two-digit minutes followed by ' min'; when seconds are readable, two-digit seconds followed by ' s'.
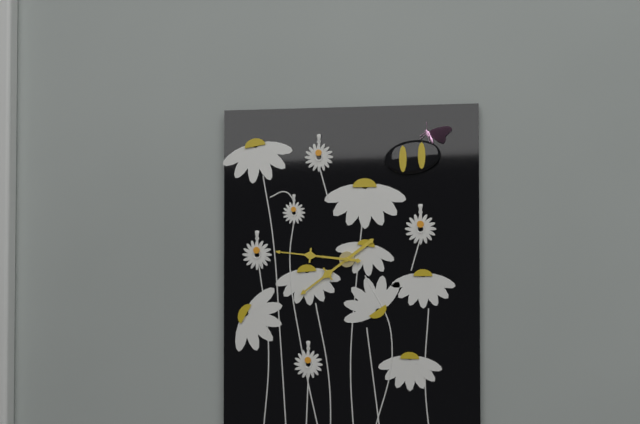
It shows 7 h 46 min
